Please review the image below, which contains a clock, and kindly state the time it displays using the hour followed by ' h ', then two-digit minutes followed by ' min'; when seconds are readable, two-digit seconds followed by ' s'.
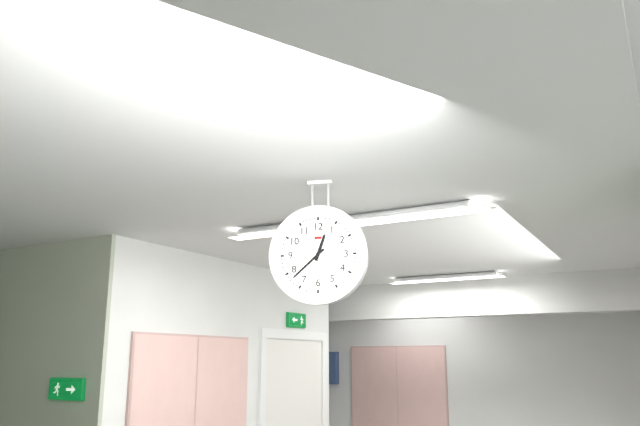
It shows 12 h 38 min
